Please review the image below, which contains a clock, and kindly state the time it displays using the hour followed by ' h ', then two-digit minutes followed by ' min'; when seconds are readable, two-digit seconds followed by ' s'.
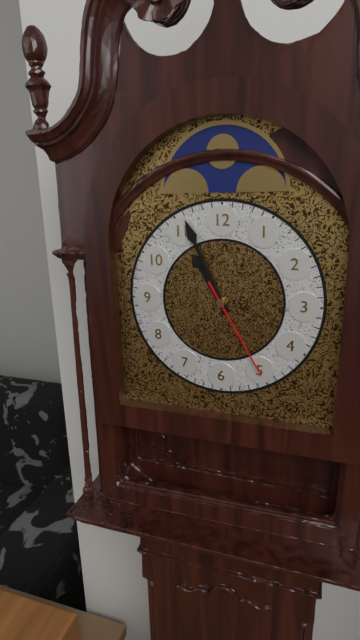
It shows 10 h 56 min 25 s
